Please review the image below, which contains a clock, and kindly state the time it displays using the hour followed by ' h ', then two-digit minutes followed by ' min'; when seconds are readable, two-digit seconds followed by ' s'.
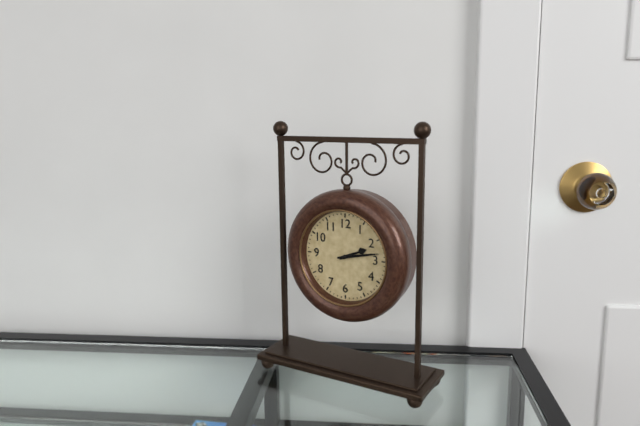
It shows 2 h 13 min
